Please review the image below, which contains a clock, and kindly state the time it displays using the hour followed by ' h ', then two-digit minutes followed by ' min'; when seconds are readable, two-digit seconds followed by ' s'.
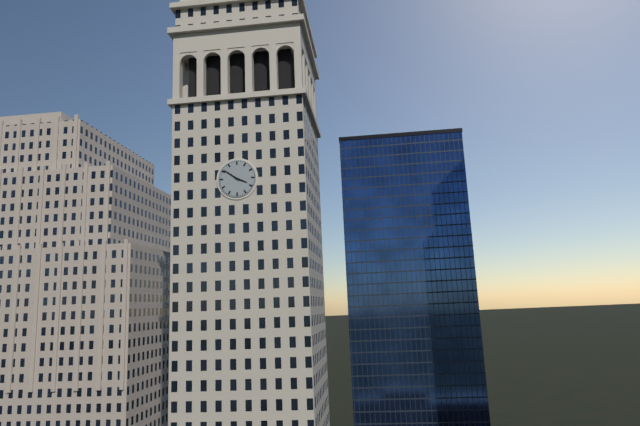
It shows 3 h 51 min
